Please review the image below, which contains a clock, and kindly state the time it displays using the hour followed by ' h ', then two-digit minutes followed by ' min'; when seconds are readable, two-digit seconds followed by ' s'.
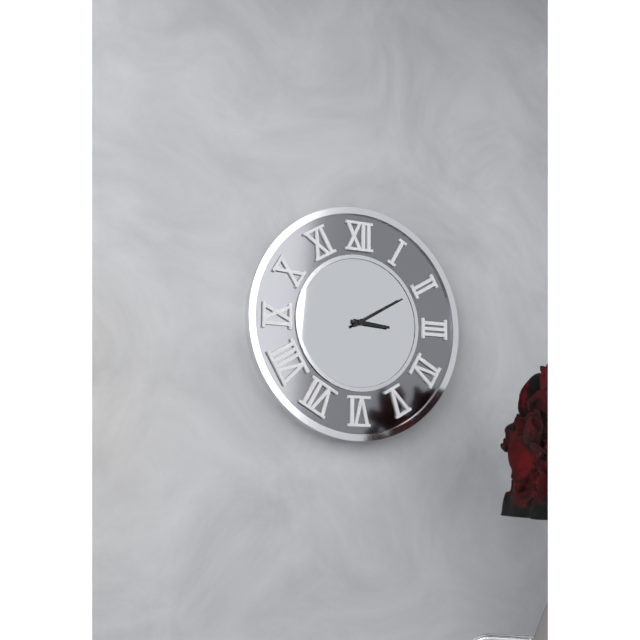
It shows 3 h 10 min
